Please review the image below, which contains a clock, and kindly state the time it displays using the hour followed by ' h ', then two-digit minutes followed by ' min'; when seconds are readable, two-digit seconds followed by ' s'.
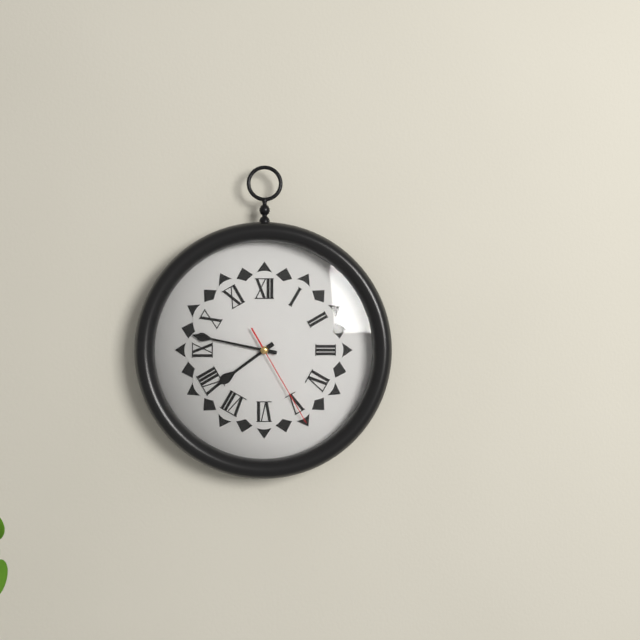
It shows 7 h 47 min 25 s
